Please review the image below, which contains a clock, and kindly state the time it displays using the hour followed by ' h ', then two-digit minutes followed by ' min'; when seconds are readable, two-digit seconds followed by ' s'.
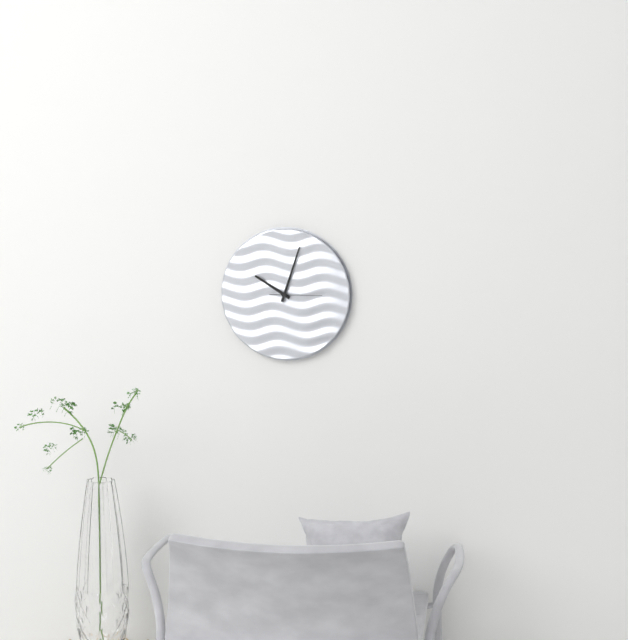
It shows 10 h 03 min
